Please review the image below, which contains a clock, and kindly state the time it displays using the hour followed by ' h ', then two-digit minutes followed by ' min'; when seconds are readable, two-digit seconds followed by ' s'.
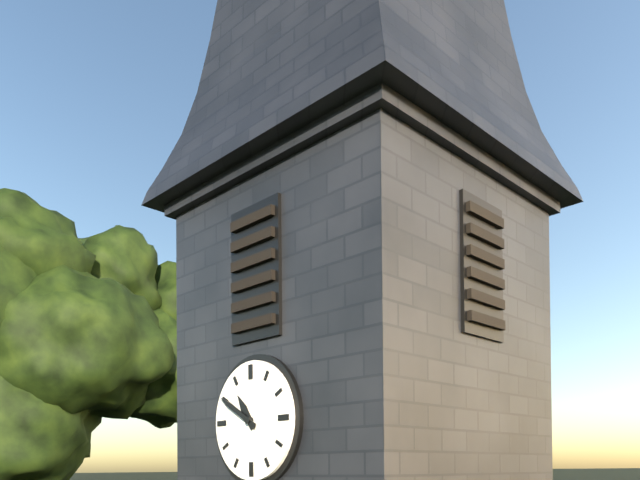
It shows 10 h 50 min
